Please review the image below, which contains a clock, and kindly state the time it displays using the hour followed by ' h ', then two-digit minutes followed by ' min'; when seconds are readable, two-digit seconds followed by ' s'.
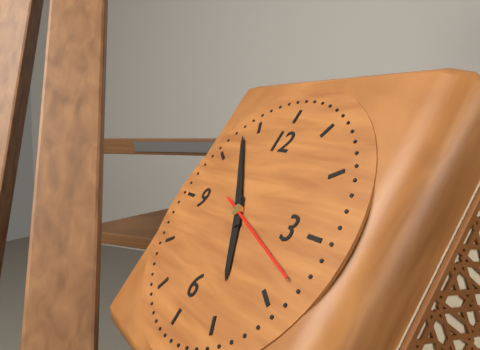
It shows 4 h 53 min 18 s
